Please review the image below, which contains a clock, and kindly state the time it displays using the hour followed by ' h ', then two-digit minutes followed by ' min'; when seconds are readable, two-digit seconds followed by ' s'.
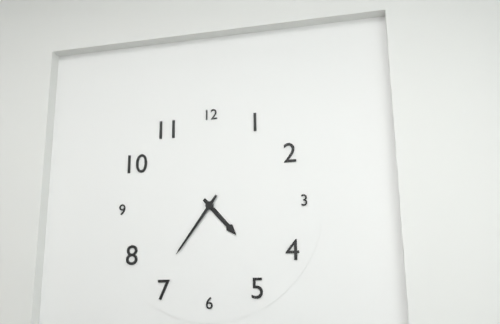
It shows 4 h 36 min
